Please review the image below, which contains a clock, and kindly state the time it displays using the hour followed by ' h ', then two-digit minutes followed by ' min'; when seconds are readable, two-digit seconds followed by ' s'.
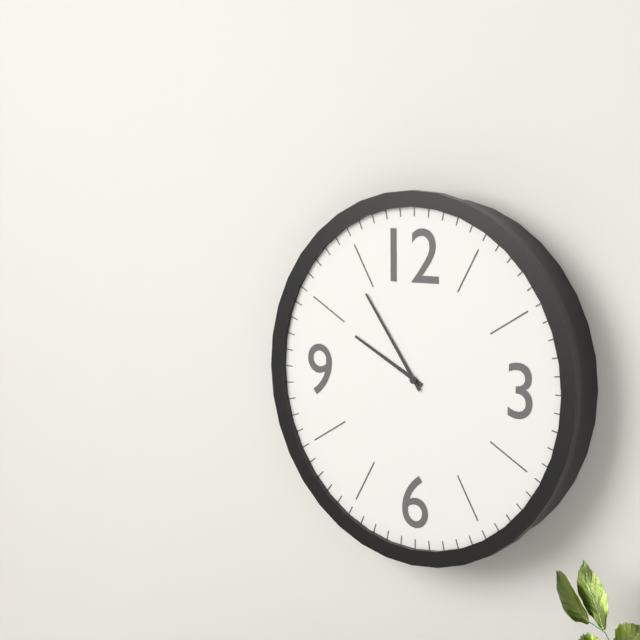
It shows 9 h 54 min
